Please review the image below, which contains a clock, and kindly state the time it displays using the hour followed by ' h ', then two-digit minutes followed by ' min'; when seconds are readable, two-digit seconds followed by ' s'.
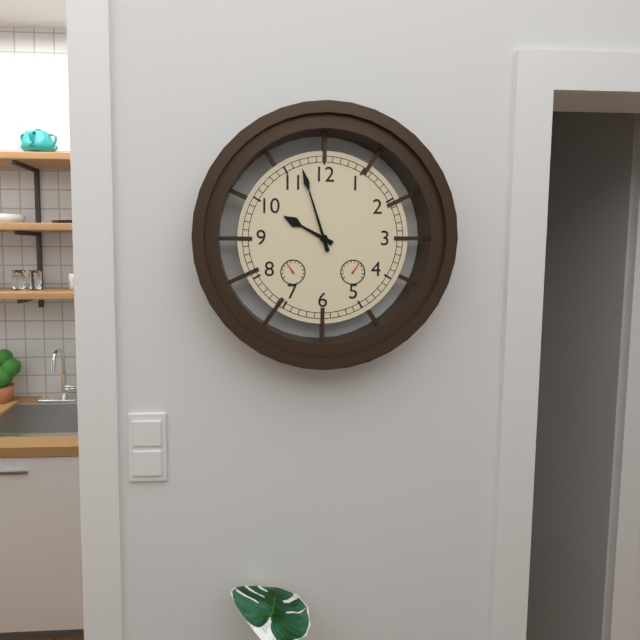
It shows 9 h 57 min
